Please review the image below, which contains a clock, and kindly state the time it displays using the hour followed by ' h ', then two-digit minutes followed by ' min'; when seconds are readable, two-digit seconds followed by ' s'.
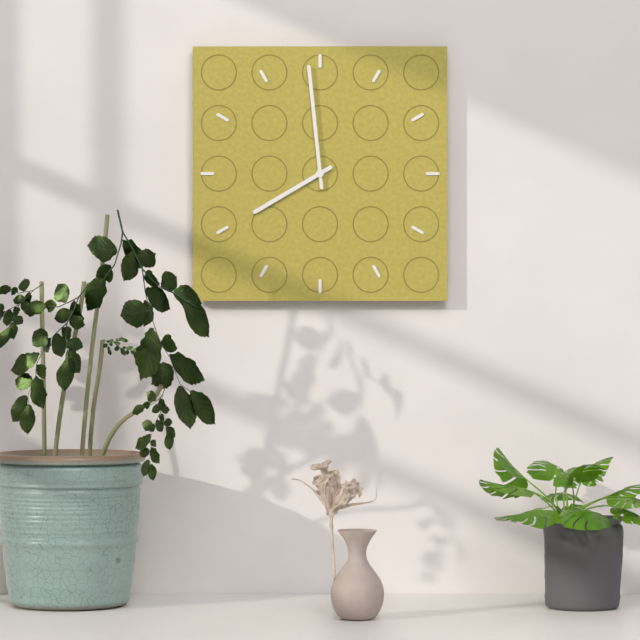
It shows 7 h 59 min
